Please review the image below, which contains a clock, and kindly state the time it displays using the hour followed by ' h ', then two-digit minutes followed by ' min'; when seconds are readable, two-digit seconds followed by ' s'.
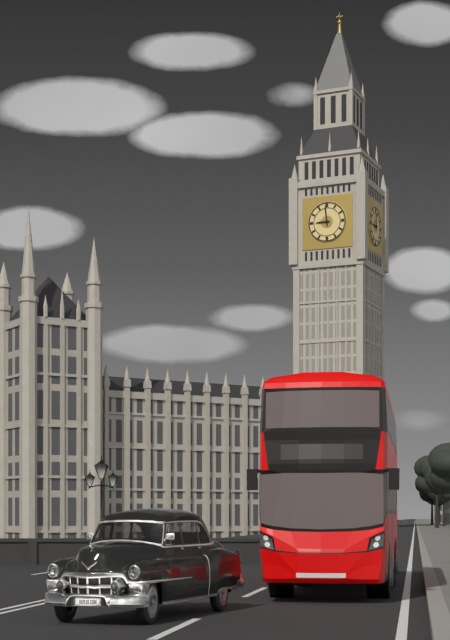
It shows 8 h 59 min
